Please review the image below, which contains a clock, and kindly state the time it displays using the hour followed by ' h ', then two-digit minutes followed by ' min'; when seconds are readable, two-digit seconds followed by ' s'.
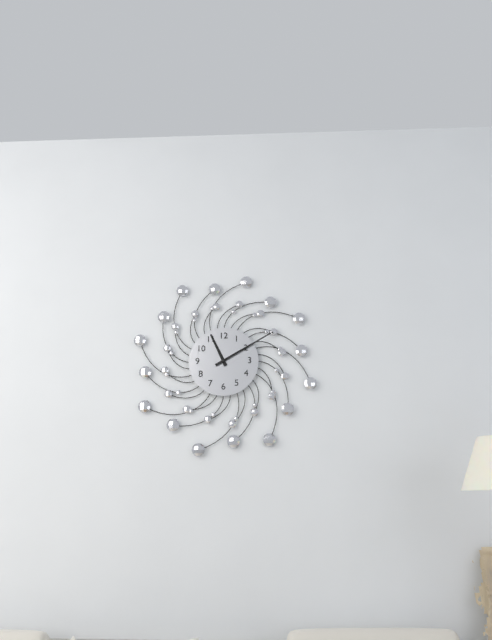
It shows 11 h 10 min
